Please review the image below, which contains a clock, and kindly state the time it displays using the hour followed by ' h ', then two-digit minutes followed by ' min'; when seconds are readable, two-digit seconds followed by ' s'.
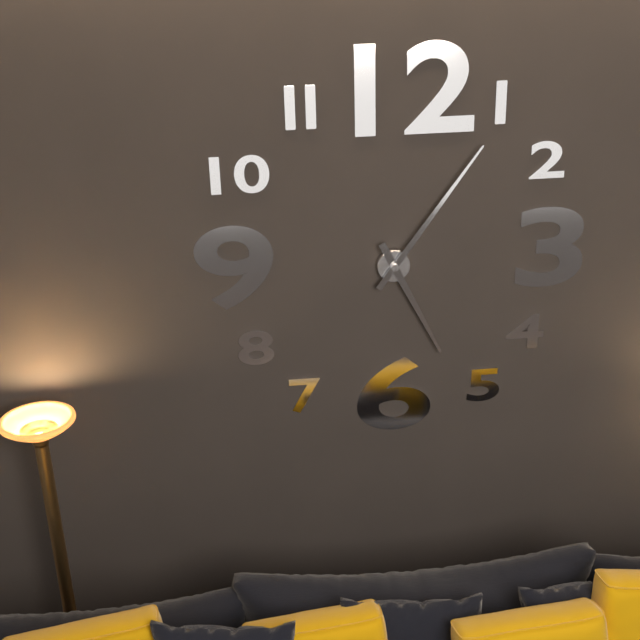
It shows 5 h 06 min
